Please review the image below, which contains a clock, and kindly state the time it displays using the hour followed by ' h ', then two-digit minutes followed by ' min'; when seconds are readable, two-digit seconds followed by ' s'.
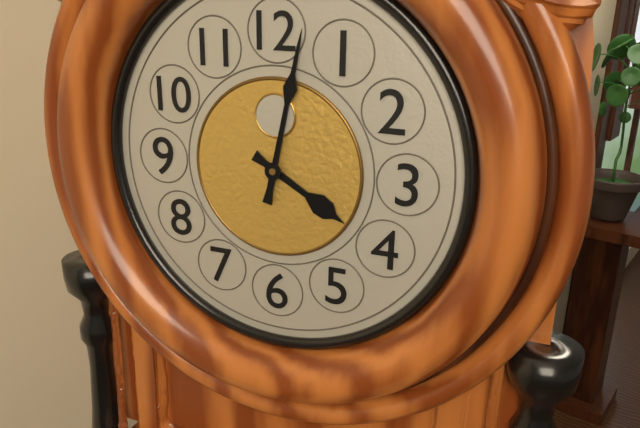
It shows 4 h 02 min
